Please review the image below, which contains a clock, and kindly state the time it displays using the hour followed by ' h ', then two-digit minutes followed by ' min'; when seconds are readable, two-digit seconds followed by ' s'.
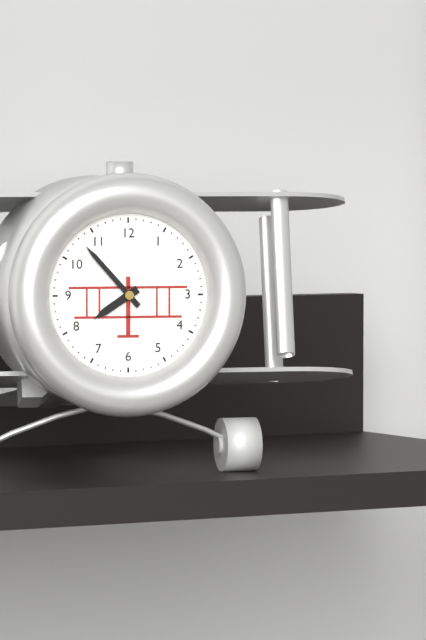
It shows 7 h 53 min
